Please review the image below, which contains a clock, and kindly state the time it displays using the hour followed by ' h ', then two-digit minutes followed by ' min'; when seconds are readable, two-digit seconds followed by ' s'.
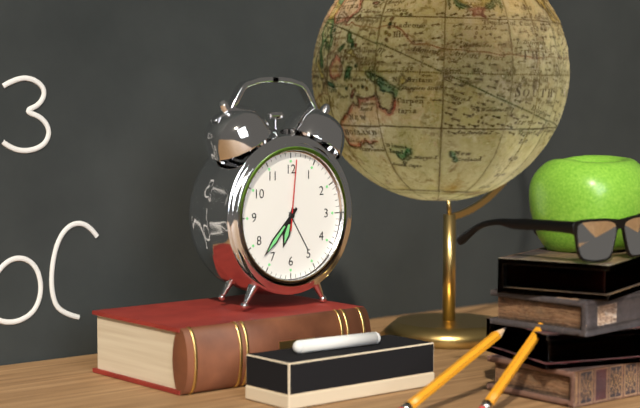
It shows 6 h 37 min 01 s
